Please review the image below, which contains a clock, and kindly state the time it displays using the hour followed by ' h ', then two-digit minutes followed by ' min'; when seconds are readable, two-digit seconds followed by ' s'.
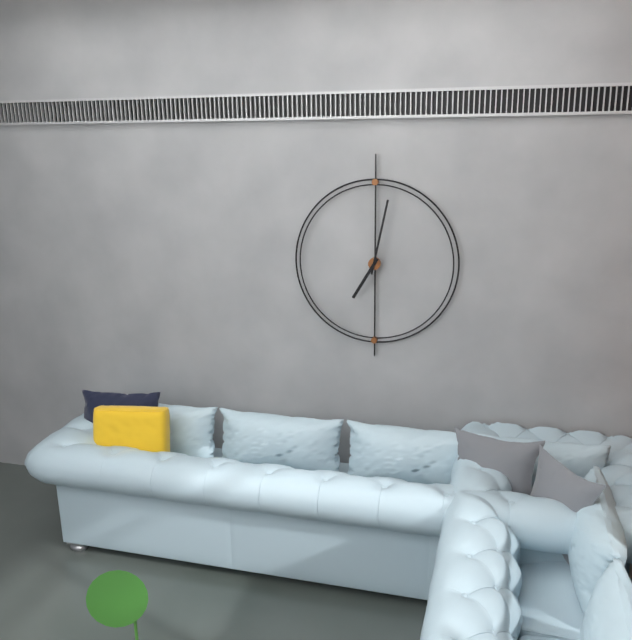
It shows 7 h 02 min
